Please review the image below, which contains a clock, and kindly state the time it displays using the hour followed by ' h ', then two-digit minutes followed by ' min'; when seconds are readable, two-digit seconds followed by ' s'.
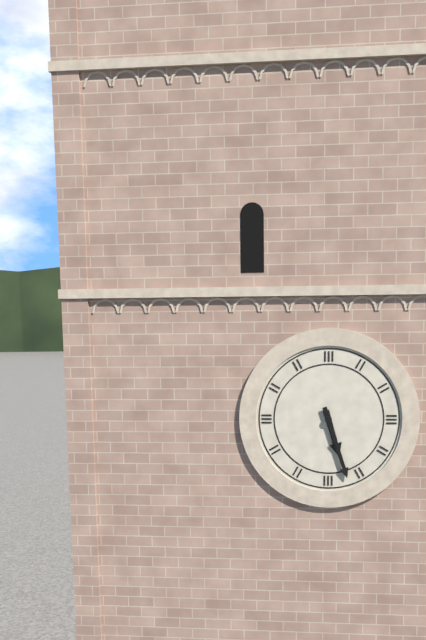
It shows 5 h 27 min
